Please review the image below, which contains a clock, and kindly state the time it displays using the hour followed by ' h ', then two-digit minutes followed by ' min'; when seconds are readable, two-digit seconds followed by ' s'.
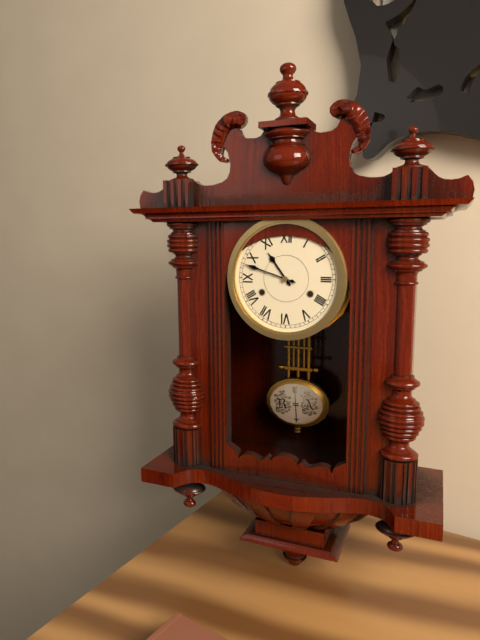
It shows 10 h 48 min
